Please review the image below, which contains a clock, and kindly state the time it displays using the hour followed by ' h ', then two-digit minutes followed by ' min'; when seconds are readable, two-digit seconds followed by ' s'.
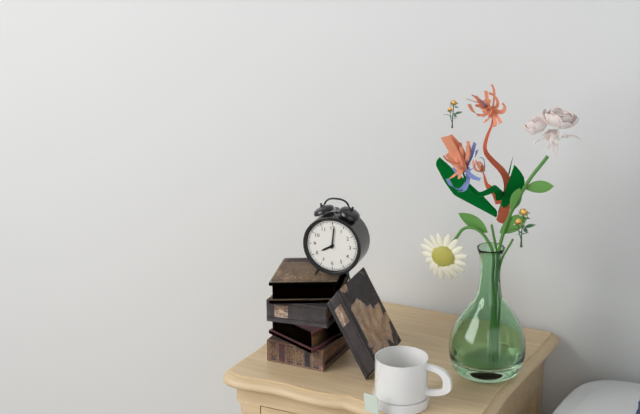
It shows 8 h 01 min
